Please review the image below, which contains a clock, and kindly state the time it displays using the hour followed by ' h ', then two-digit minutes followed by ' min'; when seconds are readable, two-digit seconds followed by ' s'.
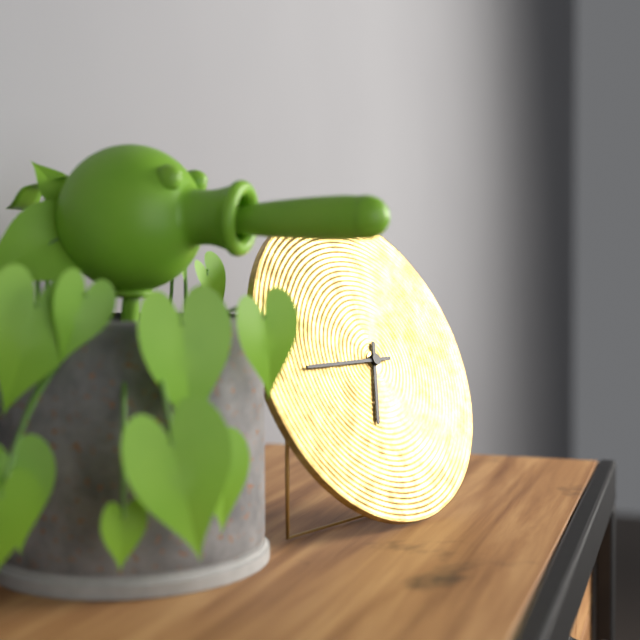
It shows 6 h 45 min
